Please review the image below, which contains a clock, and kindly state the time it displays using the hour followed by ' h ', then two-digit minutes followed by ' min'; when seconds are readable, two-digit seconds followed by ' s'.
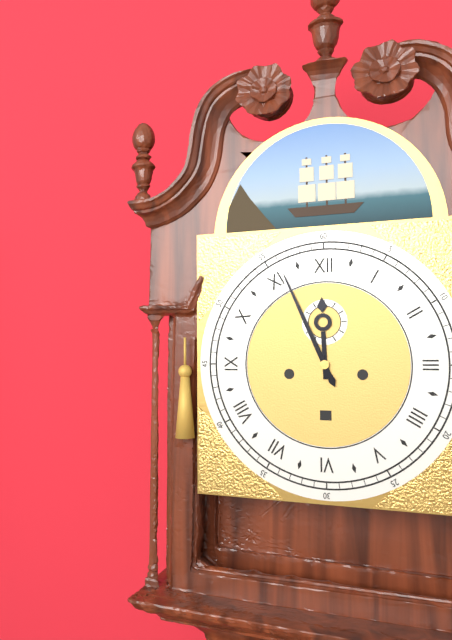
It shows 11 h 56 min
